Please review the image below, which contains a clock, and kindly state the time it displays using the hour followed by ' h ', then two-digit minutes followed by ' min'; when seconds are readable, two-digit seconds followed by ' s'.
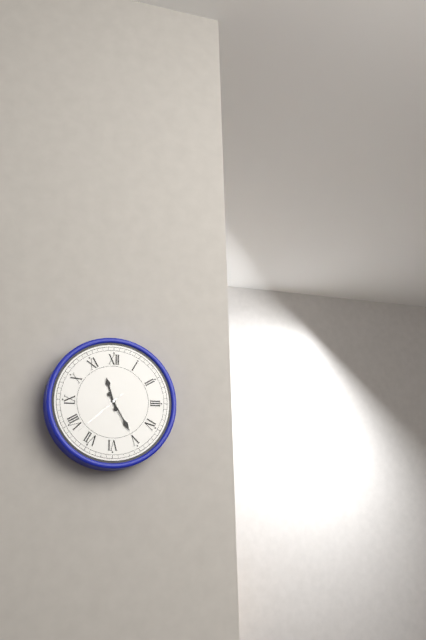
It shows 11 h 25 min 38 s
